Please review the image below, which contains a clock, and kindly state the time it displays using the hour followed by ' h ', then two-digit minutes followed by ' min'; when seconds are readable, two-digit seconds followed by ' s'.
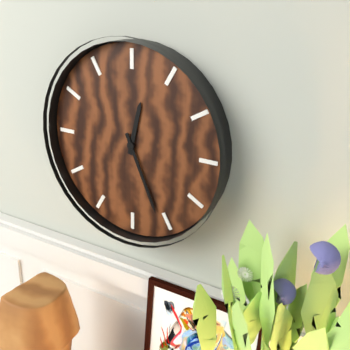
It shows 12 h 26 min
